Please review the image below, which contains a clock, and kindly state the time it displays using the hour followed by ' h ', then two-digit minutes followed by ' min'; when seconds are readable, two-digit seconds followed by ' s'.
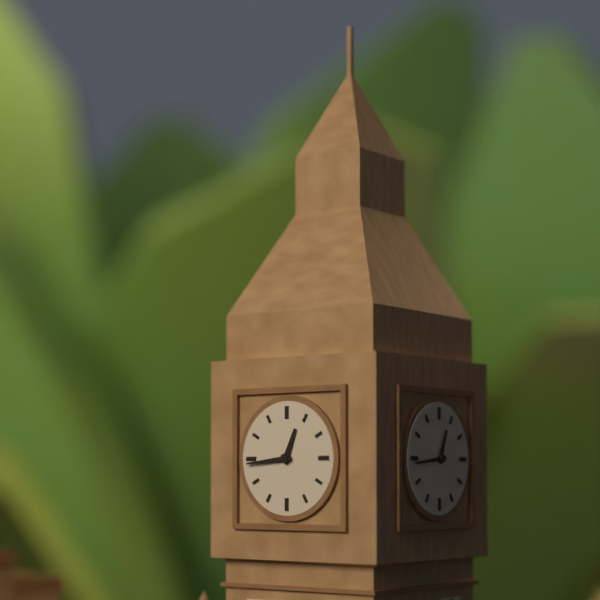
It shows 12 h 44 min
